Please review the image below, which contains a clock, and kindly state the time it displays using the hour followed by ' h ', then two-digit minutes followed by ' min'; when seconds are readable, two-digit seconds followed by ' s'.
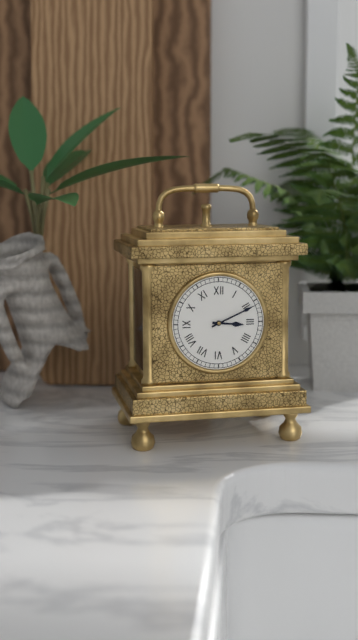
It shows 3 h 11 min
